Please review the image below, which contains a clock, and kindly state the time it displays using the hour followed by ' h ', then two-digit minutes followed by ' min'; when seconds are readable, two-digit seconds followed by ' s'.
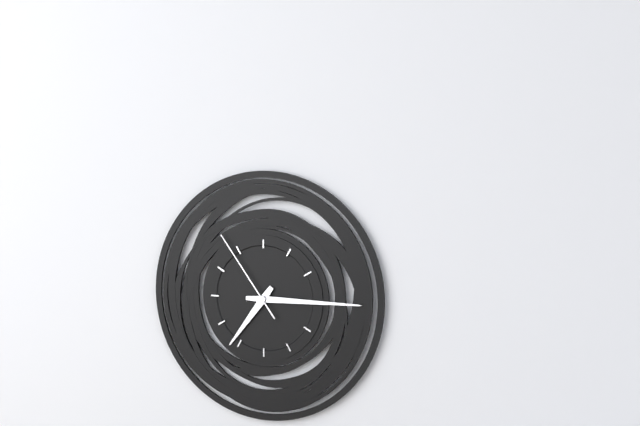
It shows 7 h 15 min 54 s
